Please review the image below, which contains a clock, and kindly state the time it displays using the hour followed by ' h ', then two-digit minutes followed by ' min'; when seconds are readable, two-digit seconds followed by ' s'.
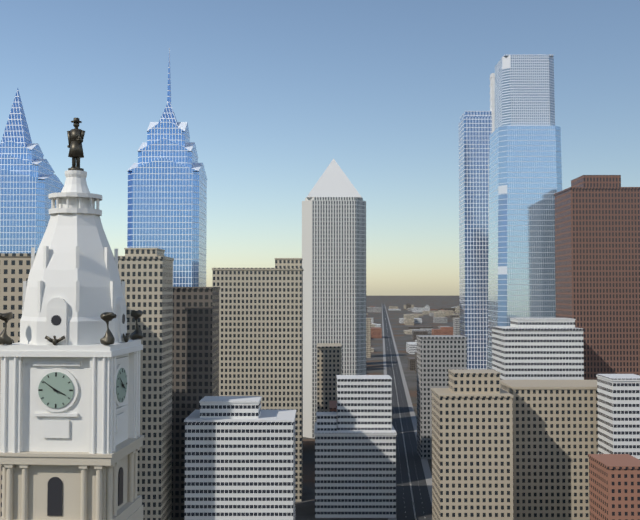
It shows 3 h 51 min
